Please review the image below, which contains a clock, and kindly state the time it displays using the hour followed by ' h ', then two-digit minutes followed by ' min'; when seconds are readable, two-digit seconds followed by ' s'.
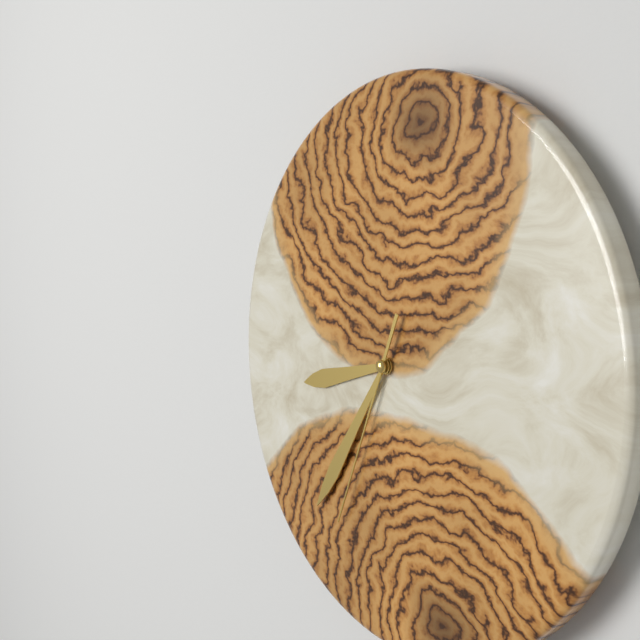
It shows 8 h 36 min 34 s
